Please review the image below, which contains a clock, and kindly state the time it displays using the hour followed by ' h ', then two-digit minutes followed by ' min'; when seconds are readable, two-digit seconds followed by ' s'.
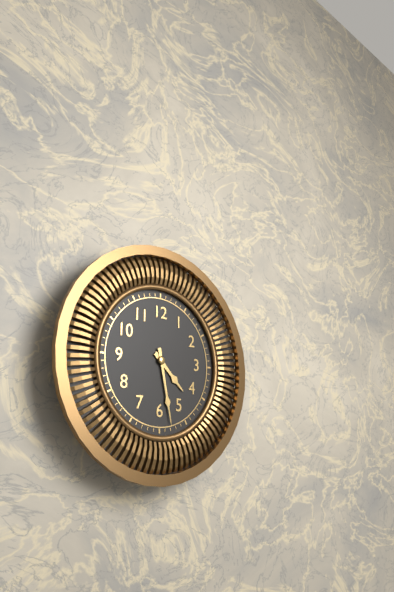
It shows 4 h 28 min
